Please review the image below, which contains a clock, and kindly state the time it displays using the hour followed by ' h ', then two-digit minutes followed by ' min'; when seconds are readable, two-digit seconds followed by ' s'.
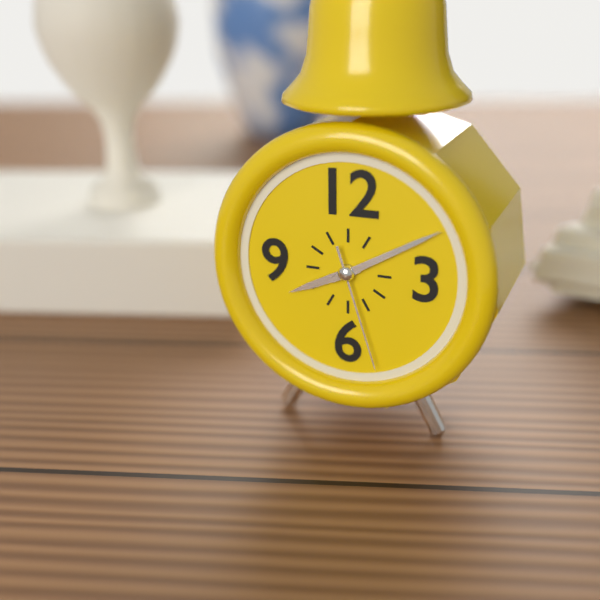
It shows 8 h 10 min 27 s
